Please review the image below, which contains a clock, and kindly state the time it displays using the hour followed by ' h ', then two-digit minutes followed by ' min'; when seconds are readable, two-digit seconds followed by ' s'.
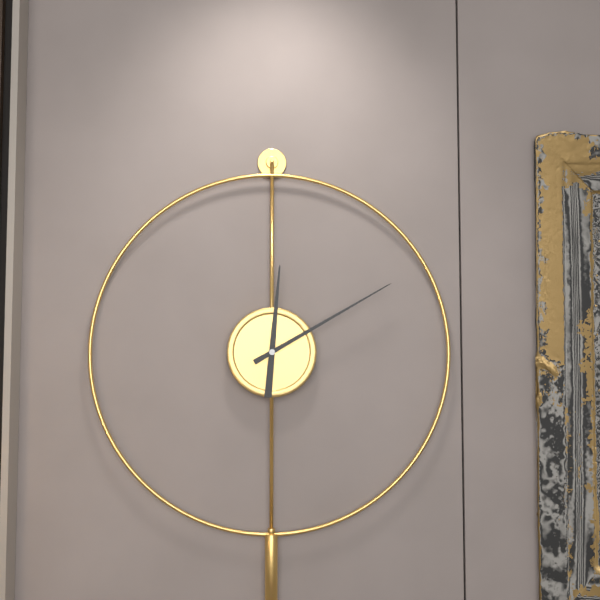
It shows 12 h 10 min
